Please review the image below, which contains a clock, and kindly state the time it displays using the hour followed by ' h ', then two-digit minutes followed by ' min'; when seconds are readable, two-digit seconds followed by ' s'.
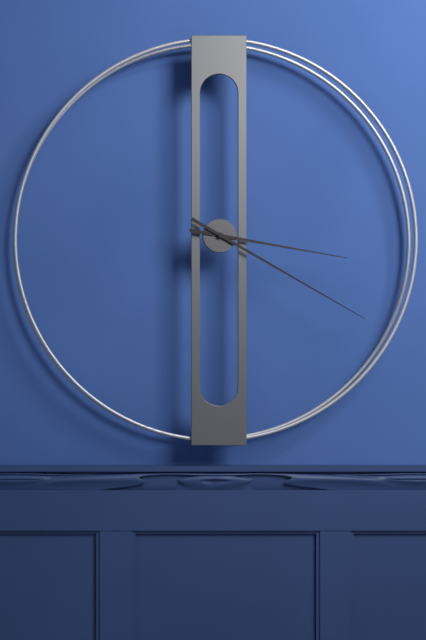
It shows 3 h 20 min
